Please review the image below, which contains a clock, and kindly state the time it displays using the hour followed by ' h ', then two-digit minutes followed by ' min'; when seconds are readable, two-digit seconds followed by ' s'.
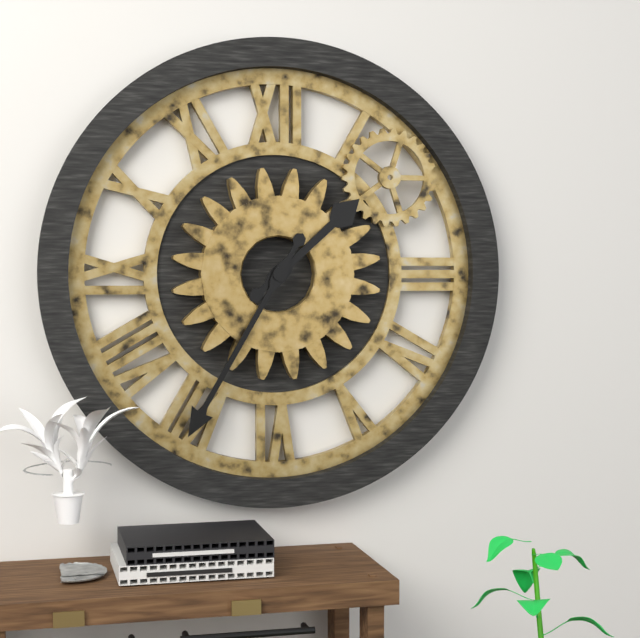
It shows 1 h 35 min
